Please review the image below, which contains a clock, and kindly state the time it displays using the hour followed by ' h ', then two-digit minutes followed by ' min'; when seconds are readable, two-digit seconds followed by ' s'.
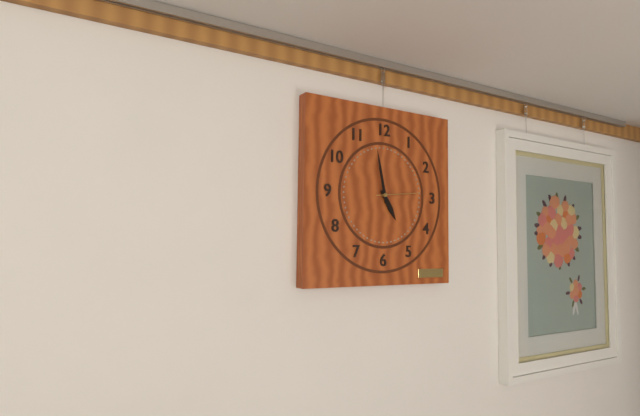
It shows 4 h 58 min
